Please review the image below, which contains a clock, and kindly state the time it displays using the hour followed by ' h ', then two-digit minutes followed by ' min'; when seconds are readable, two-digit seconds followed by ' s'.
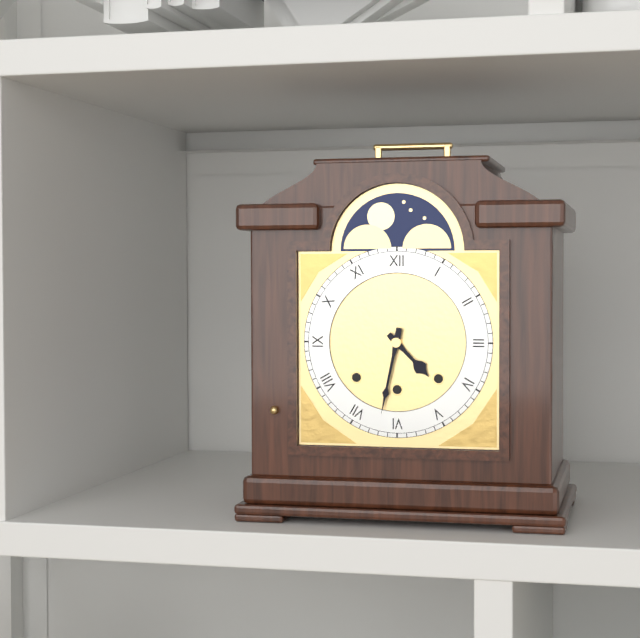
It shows 4 h 32 min
